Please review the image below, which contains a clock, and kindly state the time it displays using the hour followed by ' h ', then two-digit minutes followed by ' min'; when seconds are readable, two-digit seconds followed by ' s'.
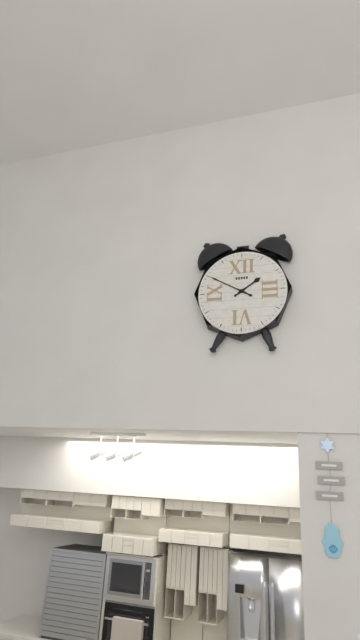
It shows 1 h 50 min
